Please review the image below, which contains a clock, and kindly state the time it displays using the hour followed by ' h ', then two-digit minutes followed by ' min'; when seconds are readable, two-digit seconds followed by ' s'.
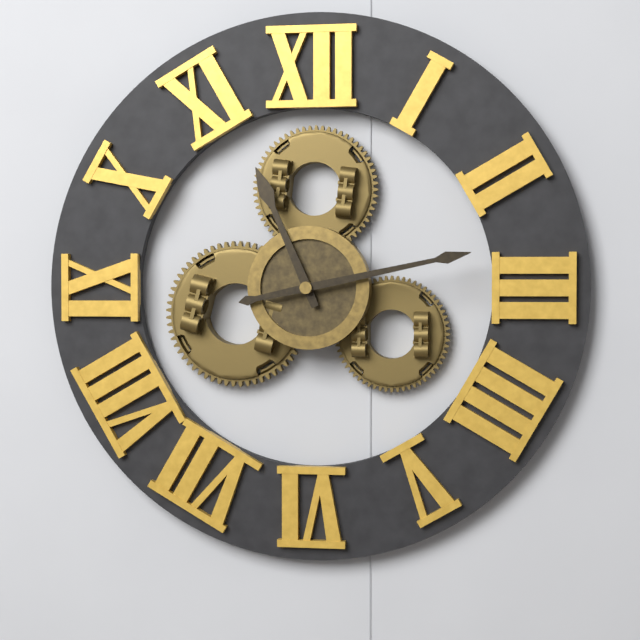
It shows 11 h 13 min
